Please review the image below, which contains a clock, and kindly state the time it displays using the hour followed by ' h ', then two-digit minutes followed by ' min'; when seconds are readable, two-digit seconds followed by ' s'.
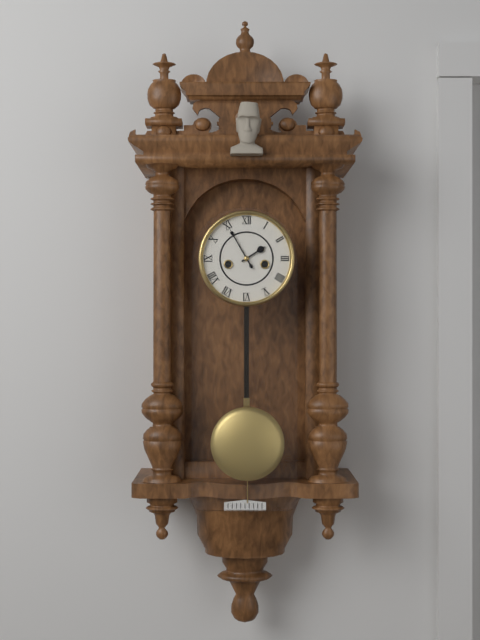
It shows 1 h 55 min
